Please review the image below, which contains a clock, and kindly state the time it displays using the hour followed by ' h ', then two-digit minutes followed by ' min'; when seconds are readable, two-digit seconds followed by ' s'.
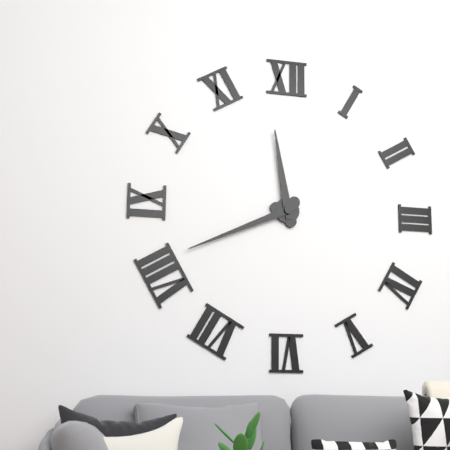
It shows 11 h 41 min
